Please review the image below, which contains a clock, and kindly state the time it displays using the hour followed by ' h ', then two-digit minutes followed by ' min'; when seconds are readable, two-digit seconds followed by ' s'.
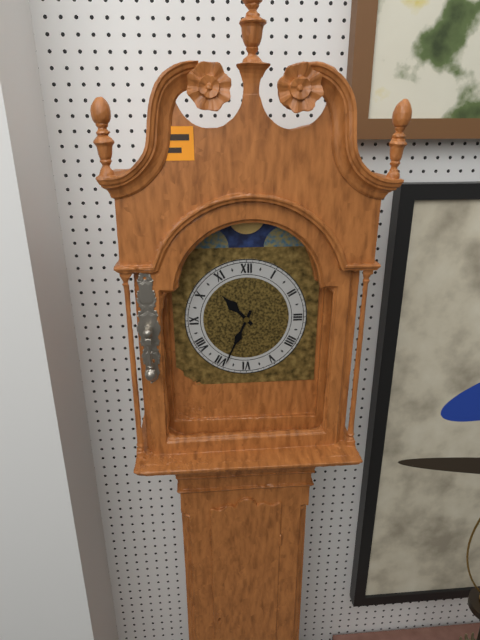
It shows 10 h 34 min
